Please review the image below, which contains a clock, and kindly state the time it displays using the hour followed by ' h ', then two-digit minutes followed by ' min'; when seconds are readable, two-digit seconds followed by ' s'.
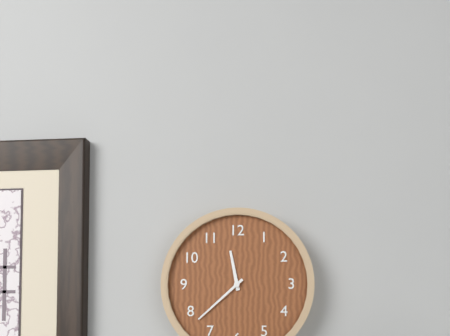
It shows 11 h 38 min
